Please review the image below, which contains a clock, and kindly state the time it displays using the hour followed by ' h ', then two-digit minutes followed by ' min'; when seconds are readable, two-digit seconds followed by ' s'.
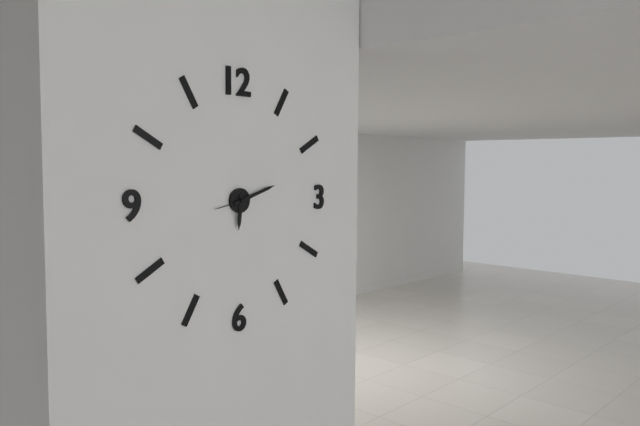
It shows 6 h 12 min
